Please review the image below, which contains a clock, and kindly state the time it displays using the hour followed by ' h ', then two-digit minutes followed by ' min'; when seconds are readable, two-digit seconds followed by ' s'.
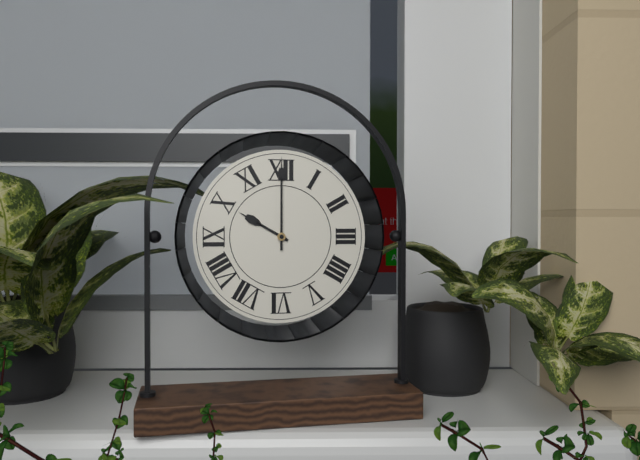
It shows 10 h 00 min
